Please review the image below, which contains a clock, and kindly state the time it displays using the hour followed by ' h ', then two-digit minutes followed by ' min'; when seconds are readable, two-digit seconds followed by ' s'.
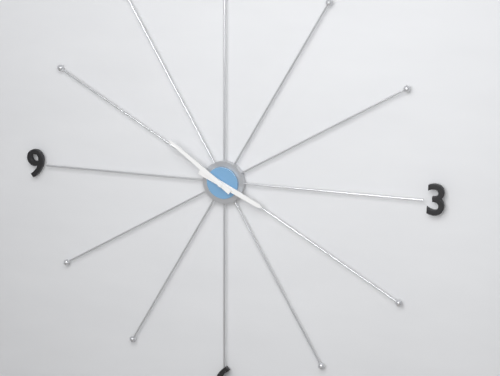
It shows 3 h 51 min
